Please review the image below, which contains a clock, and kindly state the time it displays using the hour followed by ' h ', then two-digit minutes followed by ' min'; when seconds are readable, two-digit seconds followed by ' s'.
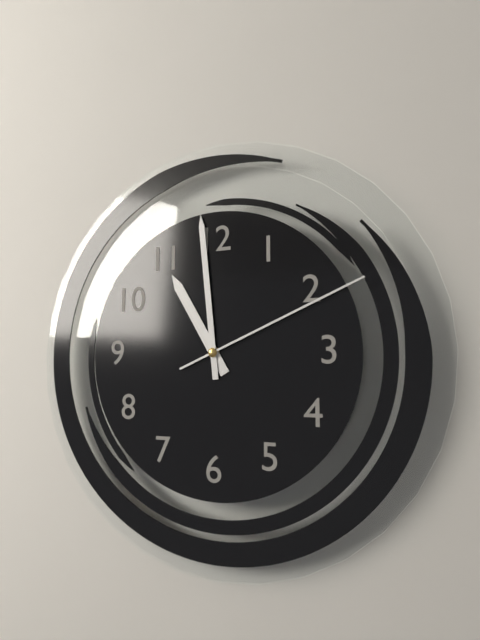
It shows 10 h 59 min 11 s
